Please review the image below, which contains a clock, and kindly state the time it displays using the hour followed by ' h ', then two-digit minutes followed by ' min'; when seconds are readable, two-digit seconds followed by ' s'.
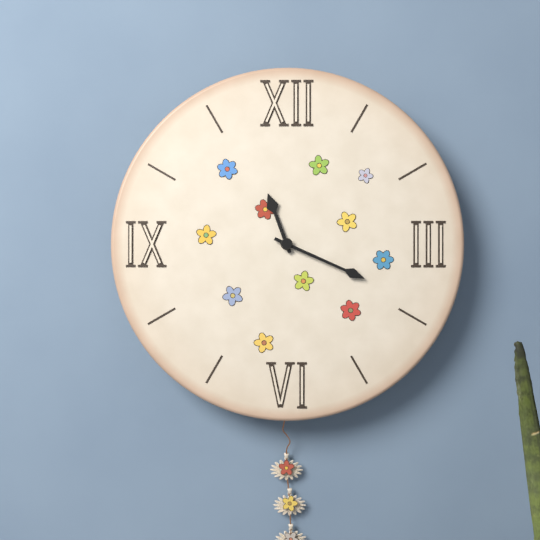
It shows 11 h 19 min
